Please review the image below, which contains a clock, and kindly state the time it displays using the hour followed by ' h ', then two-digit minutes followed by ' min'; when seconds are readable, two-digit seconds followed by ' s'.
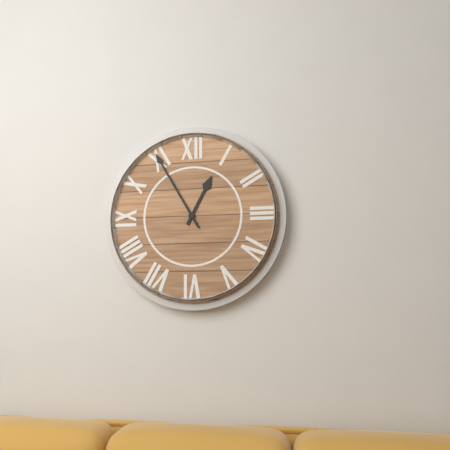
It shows 12 h 55 min
